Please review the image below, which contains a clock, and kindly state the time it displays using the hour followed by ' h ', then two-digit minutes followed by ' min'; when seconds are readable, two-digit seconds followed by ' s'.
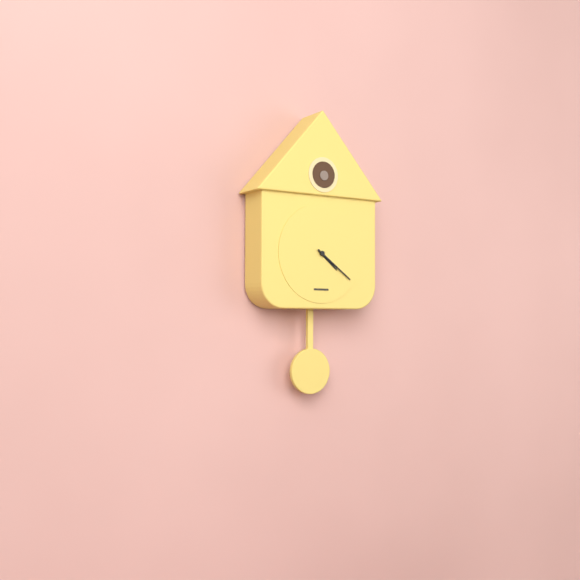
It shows 4 h 21 min
